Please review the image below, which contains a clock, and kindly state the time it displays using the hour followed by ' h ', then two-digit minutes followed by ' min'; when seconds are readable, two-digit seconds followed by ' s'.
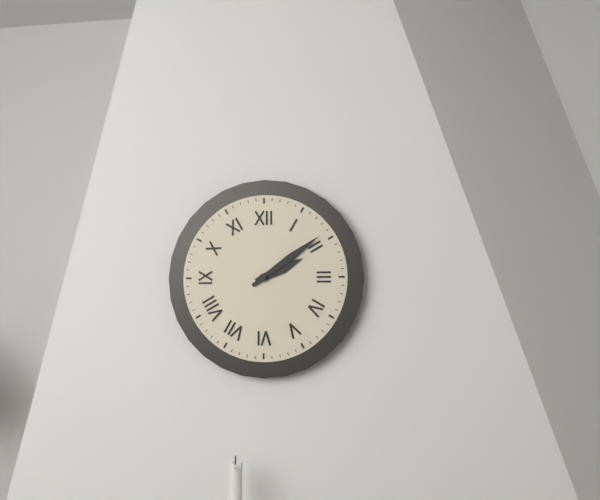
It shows 2 h 09 min
